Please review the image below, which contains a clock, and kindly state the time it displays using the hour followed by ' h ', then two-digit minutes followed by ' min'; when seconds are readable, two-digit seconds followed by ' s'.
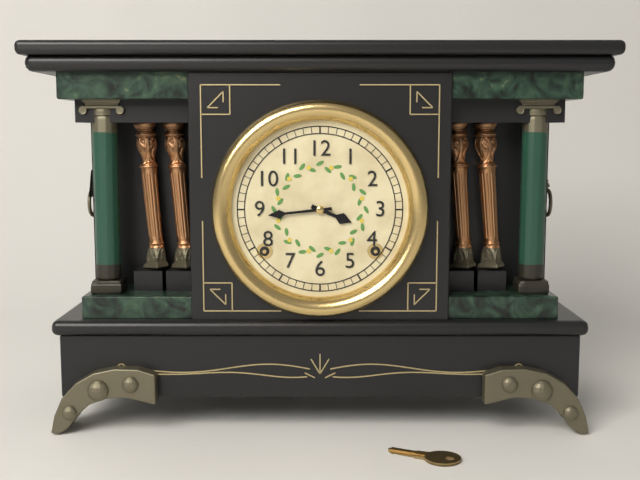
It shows 3 h 44 min
